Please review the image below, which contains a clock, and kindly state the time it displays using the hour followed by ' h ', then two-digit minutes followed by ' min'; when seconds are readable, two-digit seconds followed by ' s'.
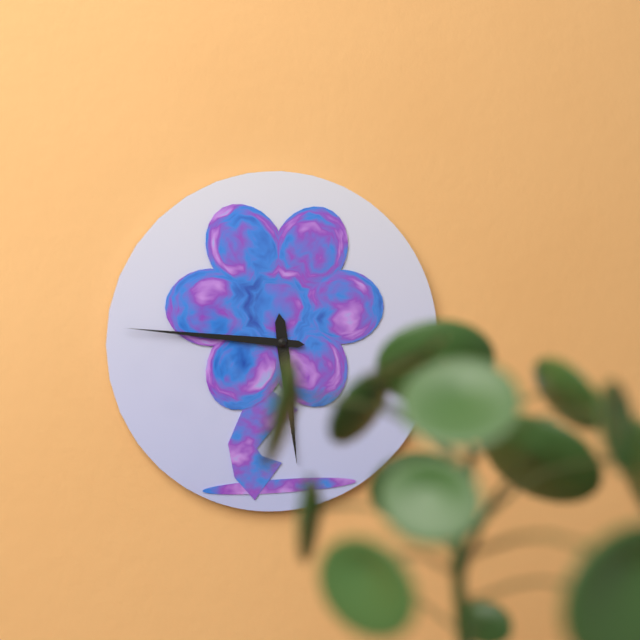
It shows 5 h 46 min
